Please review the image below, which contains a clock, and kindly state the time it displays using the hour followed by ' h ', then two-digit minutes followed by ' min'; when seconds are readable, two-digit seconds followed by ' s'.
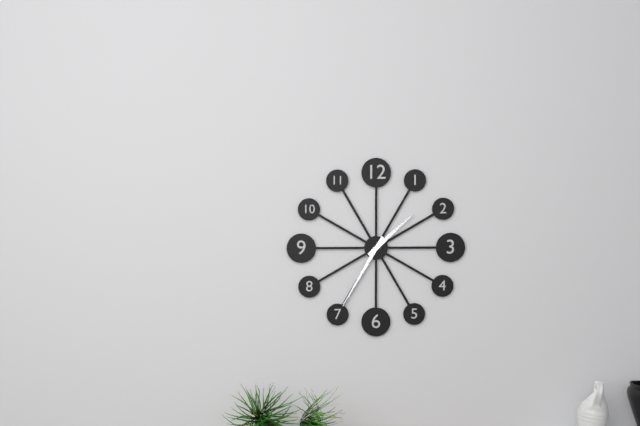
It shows 1 h 35 min
